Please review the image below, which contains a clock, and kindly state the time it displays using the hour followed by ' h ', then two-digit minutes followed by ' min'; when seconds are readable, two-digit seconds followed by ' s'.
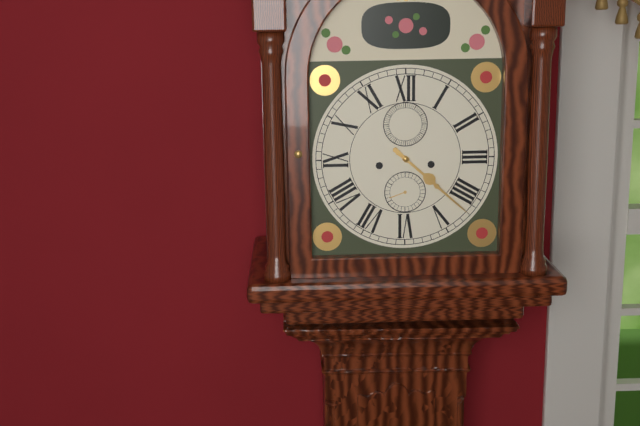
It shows 4 h 22 min
